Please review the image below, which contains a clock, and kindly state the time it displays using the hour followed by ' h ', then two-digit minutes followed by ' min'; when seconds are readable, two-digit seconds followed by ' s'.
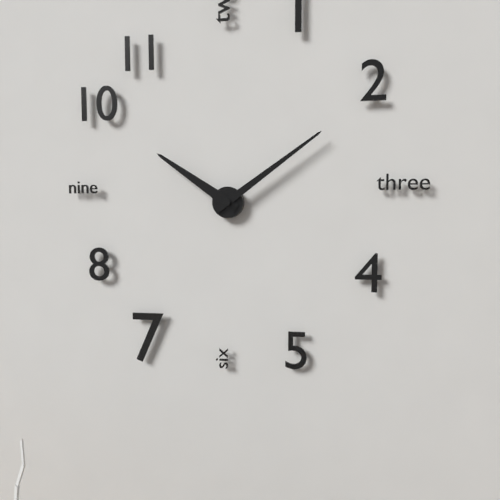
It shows 10 h 09 min
